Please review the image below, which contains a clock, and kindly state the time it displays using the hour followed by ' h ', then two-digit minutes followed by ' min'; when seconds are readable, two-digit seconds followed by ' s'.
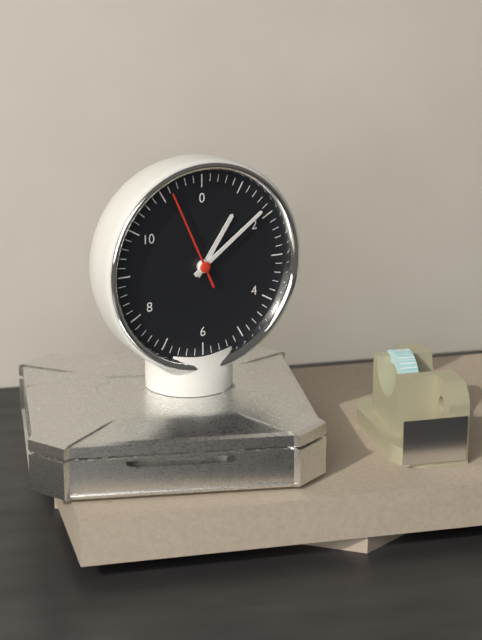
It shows 1 h 09 min 56 s
